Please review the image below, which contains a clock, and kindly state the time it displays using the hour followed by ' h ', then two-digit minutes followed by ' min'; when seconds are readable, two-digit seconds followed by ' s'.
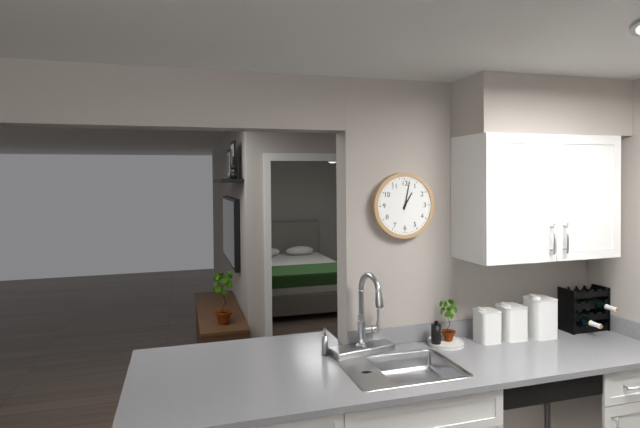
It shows 1 h 02 min
